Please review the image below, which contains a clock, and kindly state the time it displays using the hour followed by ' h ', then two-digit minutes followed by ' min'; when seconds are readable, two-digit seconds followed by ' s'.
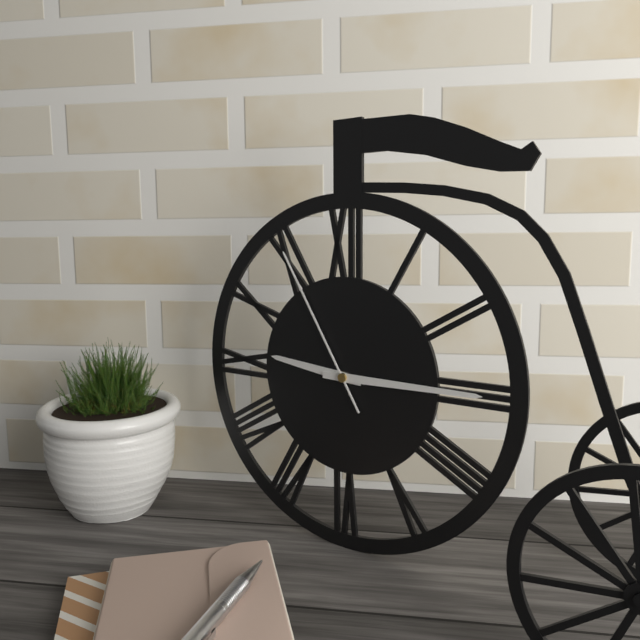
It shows 9 h 15 min 55 s
